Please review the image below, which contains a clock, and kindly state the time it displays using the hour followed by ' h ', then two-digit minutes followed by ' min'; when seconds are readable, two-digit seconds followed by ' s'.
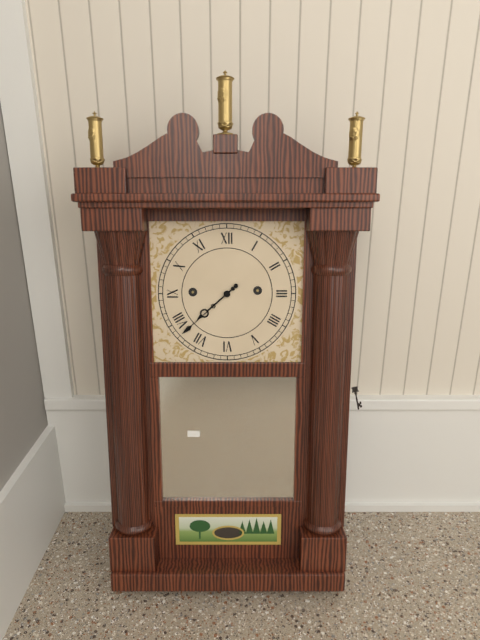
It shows 7 h 38 min
